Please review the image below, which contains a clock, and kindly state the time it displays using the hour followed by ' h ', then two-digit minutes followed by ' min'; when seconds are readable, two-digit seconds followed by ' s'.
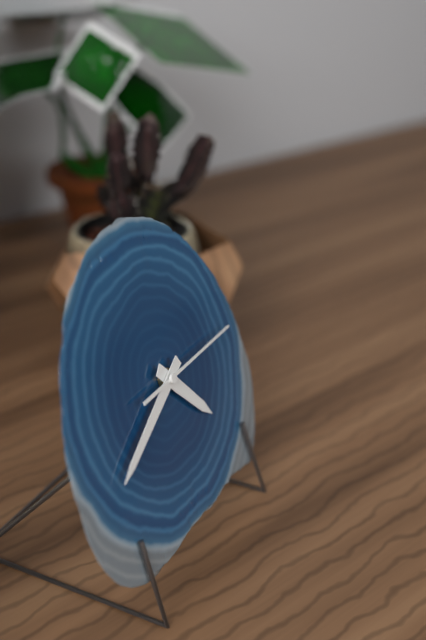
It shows 4 h 41 min 15 s
